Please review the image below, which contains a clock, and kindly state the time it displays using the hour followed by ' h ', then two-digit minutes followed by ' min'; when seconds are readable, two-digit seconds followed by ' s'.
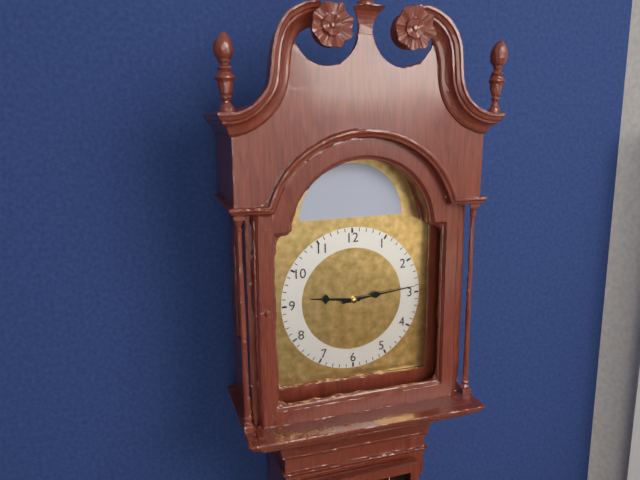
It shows 9 h 14 min
